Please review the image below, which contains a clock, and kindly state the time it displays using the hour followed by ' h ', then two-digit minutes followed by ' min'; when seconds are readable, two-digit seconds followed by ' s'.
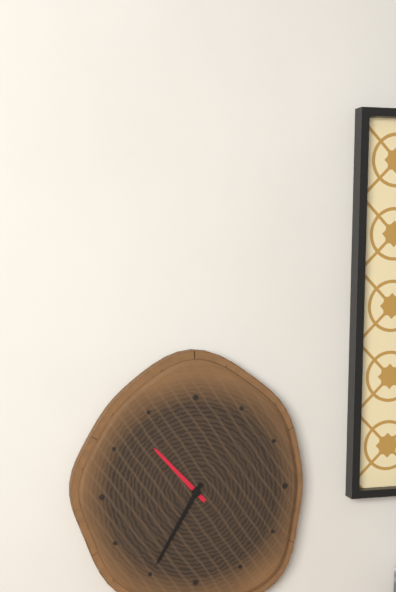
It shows 10 h 35 min
